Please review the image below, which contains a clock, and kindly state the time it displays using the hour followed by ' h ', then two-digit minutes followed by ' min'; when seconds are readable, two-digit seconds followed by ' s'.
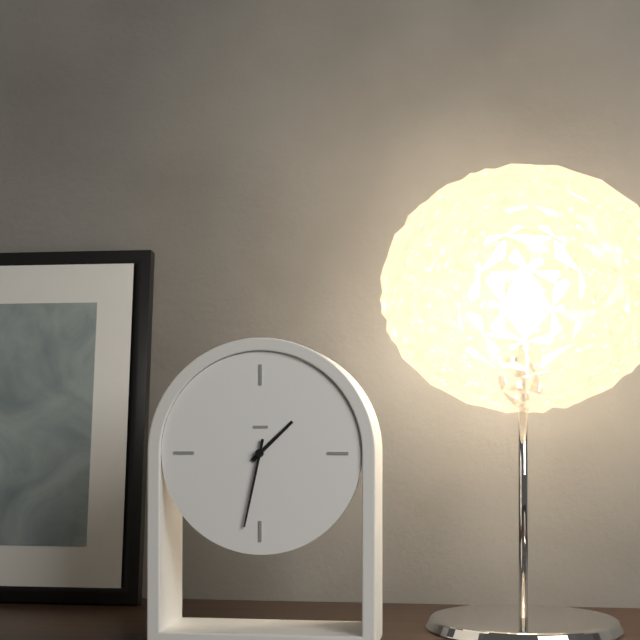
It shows 1 h 32 min
